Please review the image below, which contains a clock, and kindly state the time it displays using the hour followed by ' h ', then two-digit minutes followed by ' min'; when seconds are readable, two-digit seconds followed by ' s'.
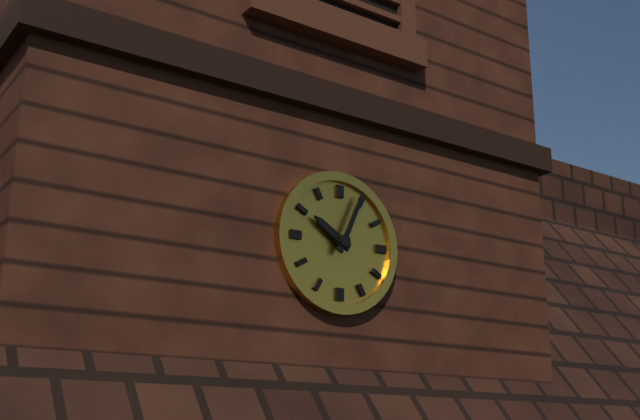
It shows 10 h 04 min
